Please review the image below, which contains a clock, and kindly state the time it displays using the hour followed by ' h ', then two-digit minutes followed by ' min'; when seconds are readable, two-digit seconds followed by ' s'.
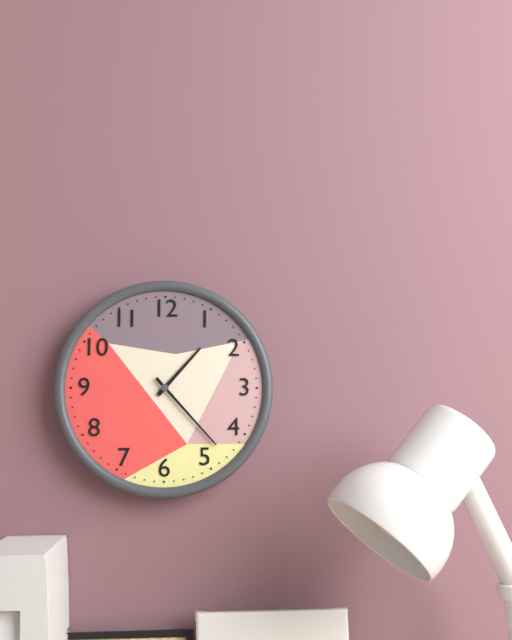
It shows 1 h 23 min
